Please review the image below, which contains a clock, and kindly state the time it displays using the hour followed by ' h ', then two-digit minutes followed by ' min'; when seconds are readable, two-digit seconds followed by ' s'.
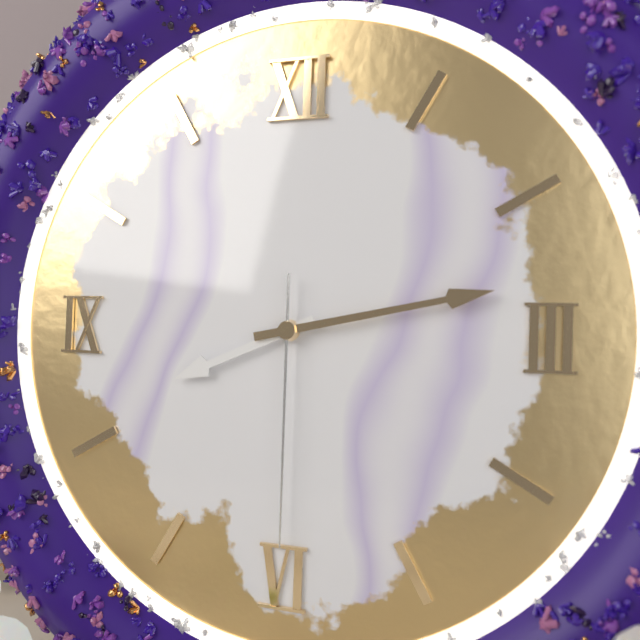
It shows 8 h 13 min 30 s
